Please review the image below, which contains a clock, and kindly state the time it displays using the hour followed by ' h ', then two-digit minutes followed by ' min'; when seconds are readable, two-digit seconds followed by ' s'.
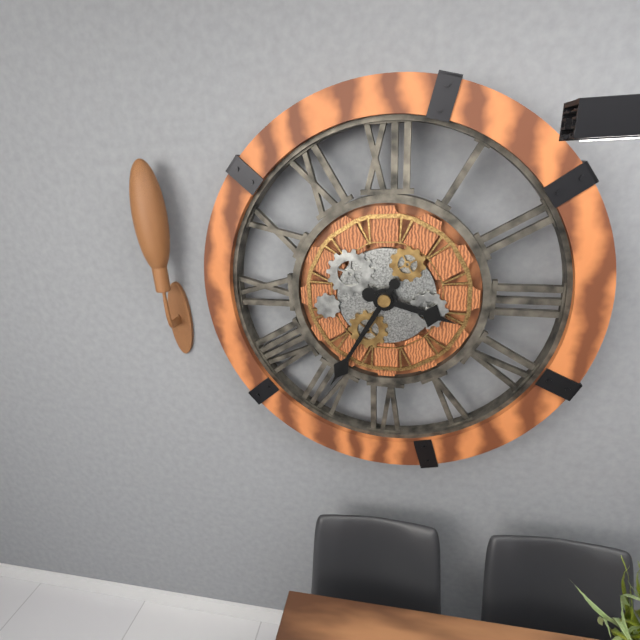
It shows 3 h 35 min
